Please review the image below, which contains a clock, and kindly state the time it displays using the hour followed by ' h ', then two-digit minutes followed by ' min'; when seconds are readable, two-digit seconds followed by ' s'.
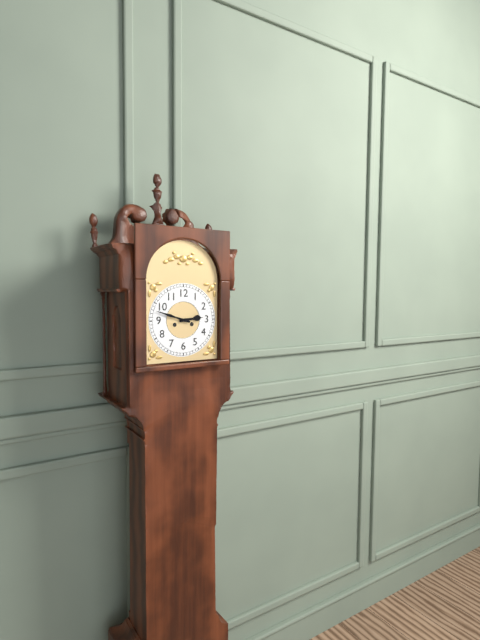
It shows 2 h 48 min
